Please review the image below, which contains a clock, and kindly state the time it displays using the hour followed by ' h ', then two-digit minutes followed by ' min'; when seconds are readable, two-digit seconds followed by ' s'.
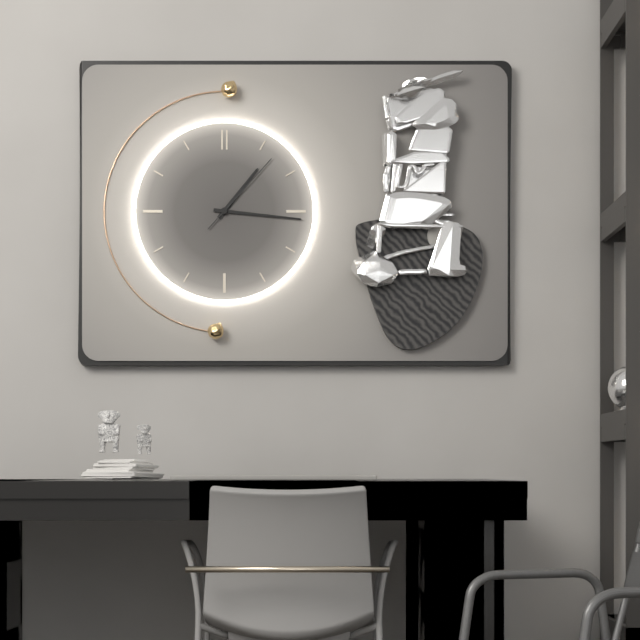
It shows 1 h 16 min 07 s
